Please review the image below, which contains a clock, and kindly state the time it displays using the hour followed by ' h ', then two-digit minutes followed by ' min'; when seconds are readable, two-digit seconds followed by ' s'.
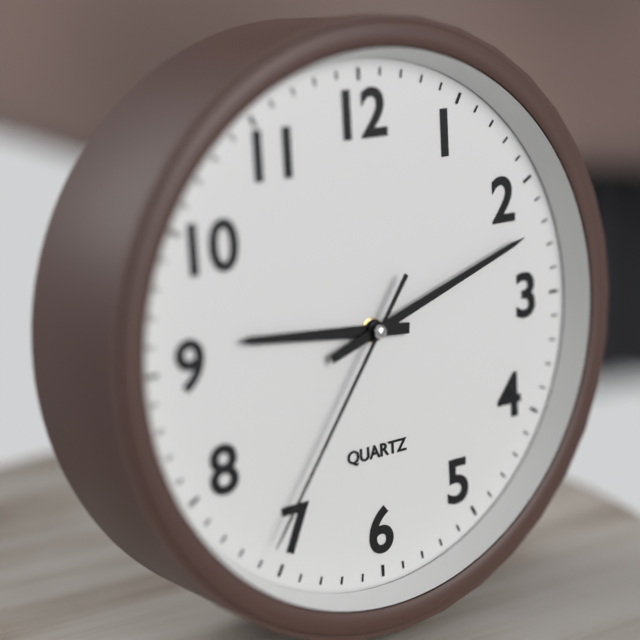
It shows 9 h 12 min 36 s
